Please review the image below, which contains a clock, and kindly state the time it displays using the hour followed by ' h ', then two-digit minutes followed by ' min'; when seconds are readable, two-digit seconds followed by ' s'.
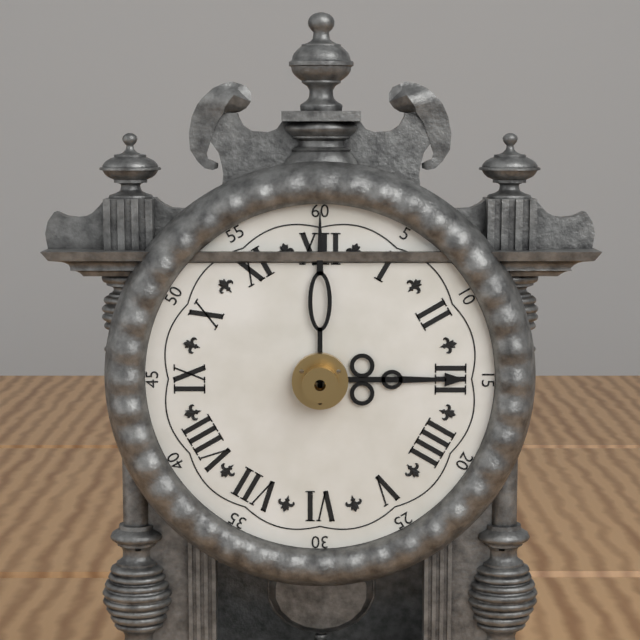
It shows 3 h 00 min
